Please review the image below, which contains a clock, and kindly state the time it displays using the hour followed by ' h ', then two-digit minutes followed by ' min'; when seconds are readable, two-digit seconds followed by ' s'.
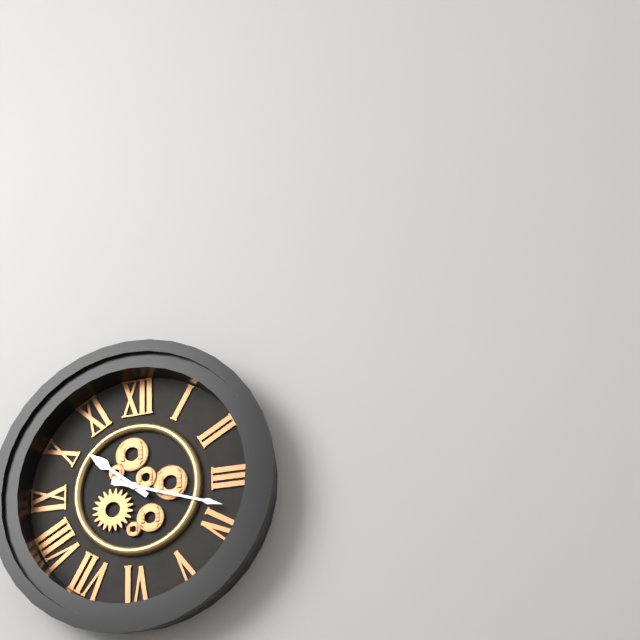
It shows 10 h 18 min
